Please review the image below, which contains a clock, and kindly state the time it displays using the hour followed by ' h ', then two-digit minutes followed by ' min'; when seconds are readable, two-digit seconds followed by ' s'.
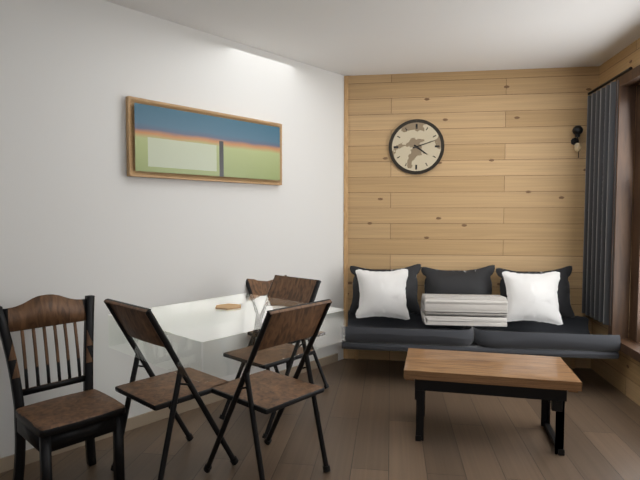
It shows 4 h 12 min
